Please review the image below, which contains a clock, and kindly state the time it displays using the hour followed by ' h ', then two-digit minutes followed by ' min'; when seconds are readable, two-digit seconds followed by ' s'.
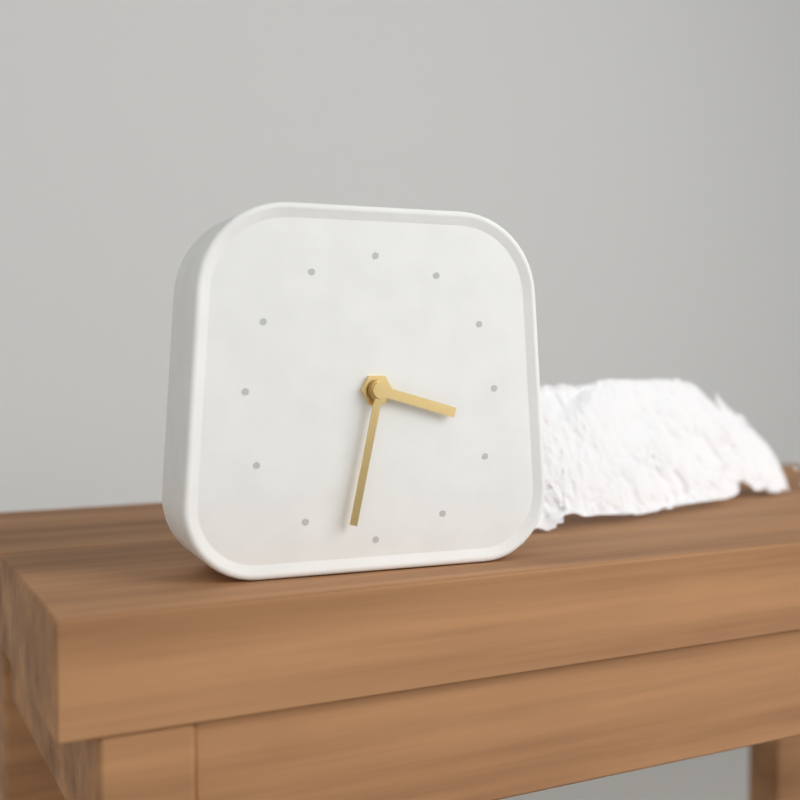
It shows 3 h 32 min
